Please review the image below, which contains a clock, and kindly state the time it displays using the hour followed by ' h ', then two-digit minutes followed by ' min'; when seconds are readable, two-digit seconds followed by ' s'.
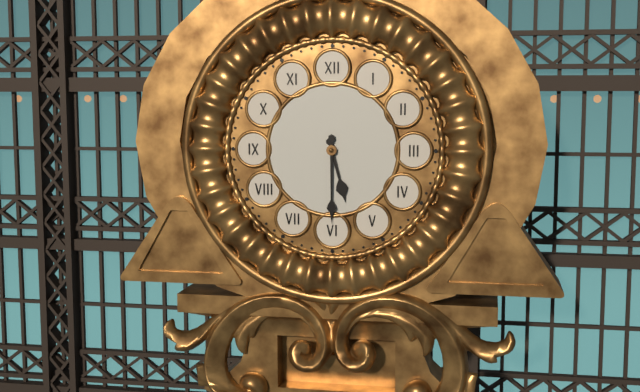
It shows 5 h 30 min
